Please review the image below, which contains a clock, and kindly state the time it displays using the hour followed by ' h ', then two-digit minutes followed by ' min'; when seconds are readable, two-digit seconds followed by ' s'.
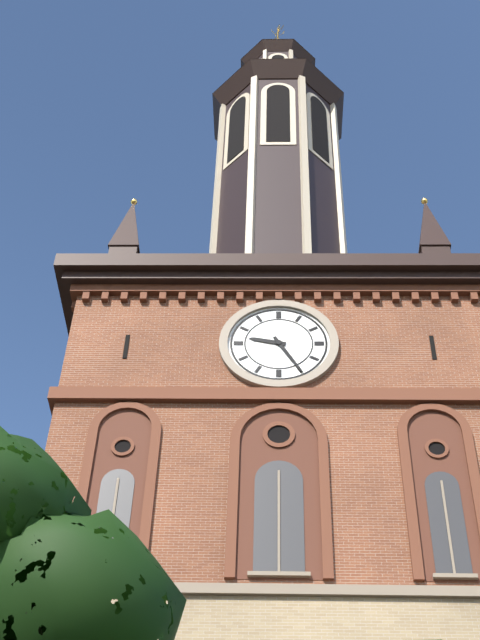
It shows 9 h 25 min
